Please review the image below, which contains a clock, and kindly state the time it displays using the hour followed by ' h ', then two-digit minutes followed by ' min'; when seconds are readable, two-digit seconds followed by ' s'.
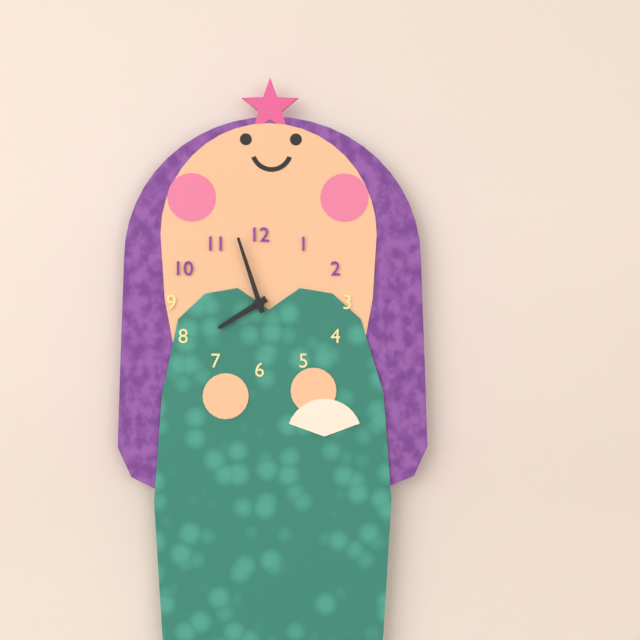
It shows 7 h 57 min
